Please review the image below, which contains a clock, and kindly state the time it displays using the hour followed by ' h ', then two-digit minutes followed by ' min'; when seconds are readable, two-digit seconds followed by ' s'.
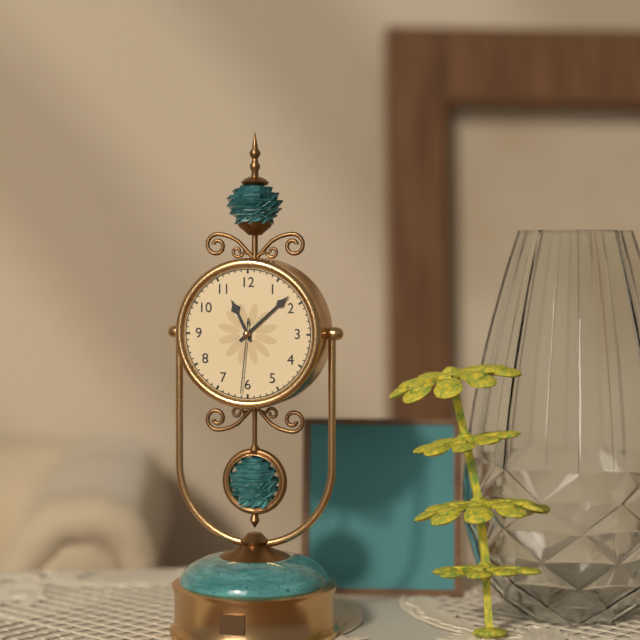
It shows 11 h 08 min 31 s
